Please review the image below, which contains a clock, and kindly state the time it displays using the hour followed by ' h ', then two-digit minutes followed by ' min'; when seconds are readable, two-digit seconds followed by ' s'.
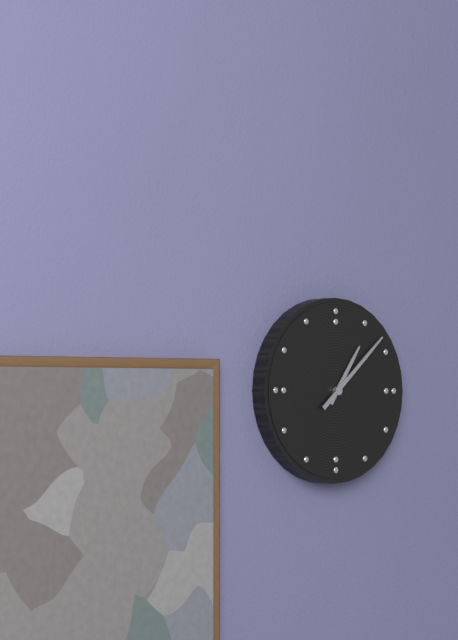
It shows 1 h 08 min
